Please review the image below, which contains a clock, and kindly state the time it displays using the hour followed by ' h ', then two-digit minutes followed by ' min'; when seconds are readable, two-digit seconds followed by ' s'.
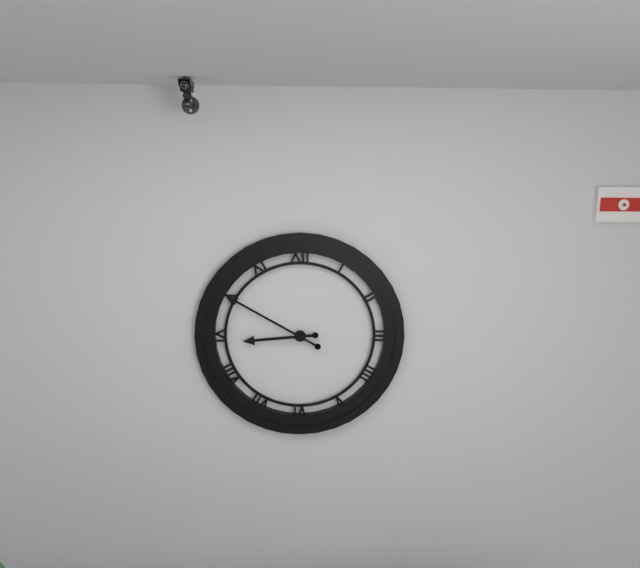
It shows 8 h 50 min
